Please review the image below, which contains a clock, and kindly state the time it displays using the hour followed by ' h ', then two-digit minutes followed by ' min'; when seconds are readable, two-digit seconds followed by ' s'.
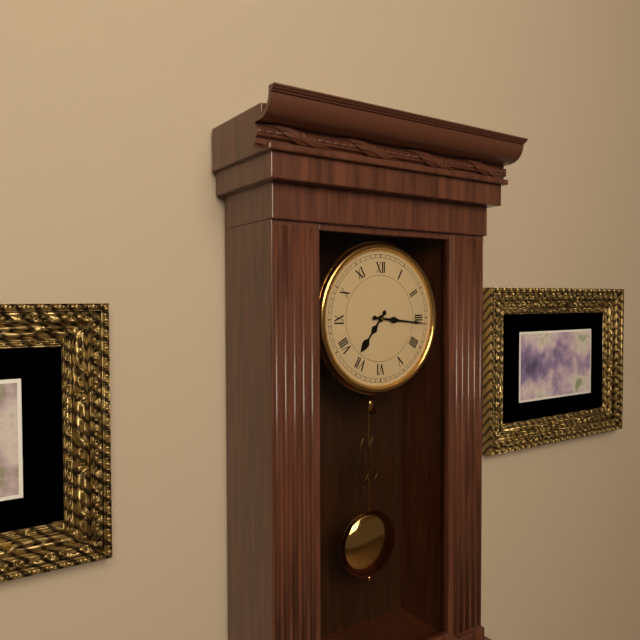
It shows 7 h 16 min
